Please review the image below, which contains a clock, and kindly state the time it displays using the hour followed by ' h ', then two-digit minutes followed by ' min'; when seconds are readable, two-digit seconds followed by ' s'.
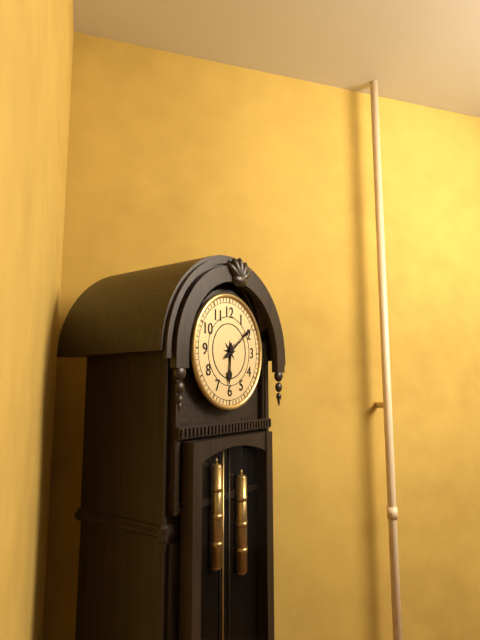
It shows 6 h 09 min
